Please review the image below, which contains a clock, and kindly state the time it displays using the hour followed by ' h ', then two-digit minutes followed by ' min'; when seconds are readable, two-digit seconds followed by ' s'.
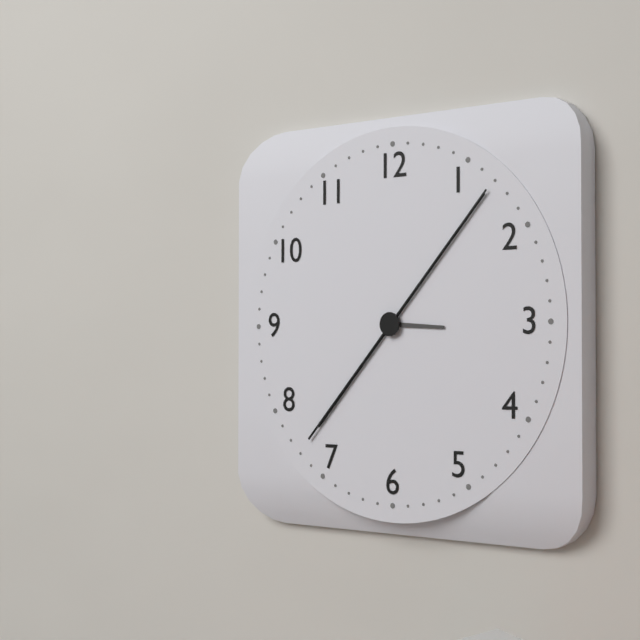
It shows 3 h 07 min 07 s
